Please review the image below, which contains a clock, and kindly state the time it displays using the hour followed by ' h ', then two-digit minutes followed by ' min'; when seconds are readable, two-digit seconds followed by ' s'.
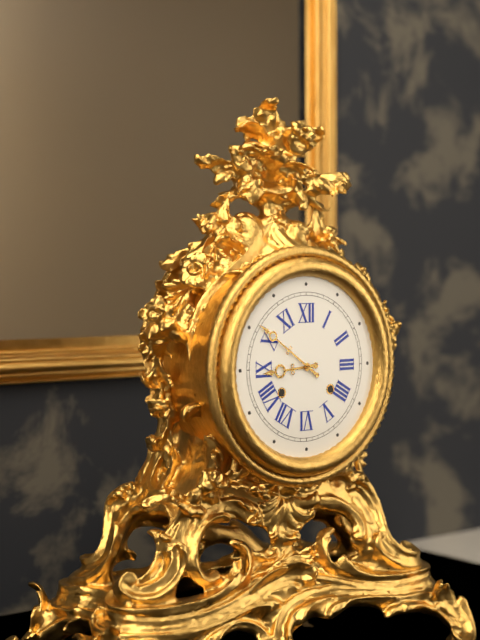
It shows 8 h 51 min
